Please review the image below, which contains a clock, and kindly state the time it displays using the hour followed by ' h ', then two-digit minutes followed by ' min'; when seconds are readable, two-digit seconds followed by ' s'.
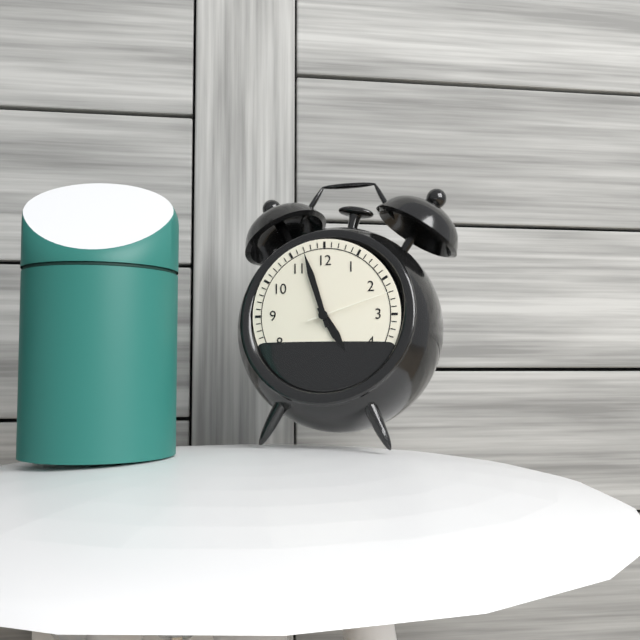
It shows 4 h 57 min 12 s
